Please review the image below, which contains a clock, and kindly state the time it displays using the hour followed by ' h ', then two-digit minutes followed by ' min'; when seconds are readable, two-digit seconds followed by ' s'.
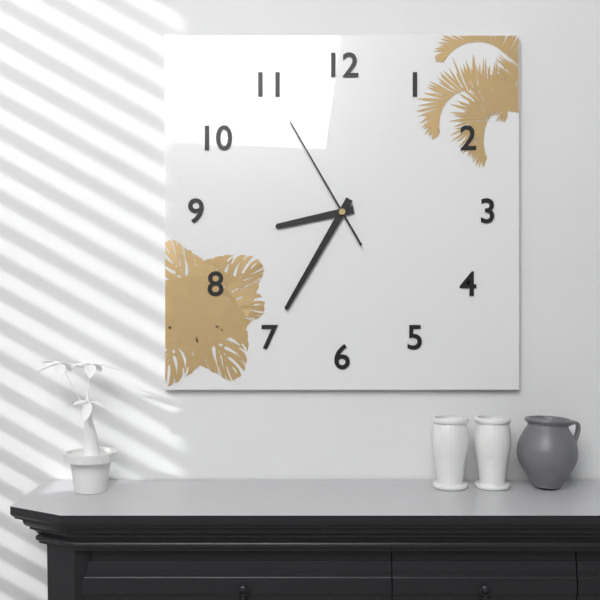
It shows 8 h 35 min 55 s
